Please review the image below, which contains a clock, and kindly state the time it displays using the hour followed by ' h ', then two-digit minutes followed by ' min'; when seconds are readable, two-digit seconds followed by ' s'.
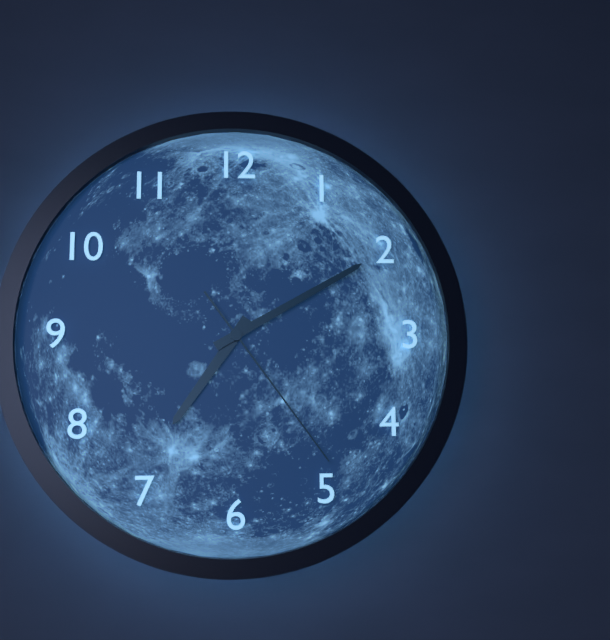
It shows 7 h 10 min 24 s
